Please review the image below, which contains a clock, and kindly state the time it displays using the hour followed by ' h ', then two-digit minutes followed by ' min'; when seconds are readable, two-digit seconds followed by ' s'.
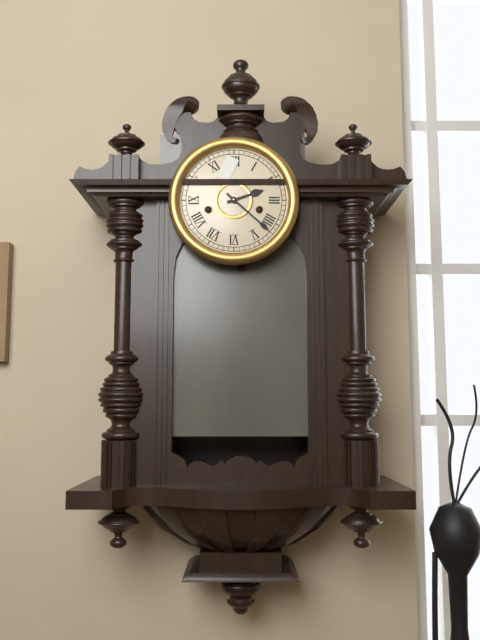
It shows 2 h 22 min
